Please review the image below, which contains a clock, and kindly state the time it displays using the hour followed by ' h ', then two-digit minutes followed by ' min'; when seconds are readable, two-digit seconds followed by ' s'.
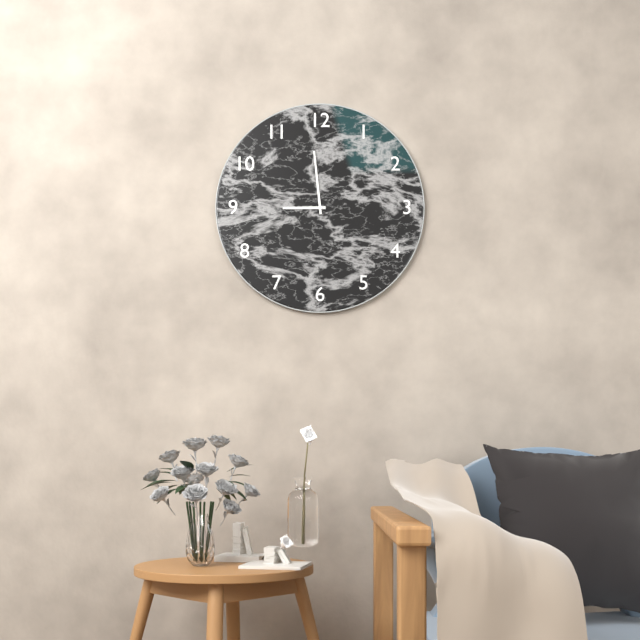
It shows 8 h 59 min
